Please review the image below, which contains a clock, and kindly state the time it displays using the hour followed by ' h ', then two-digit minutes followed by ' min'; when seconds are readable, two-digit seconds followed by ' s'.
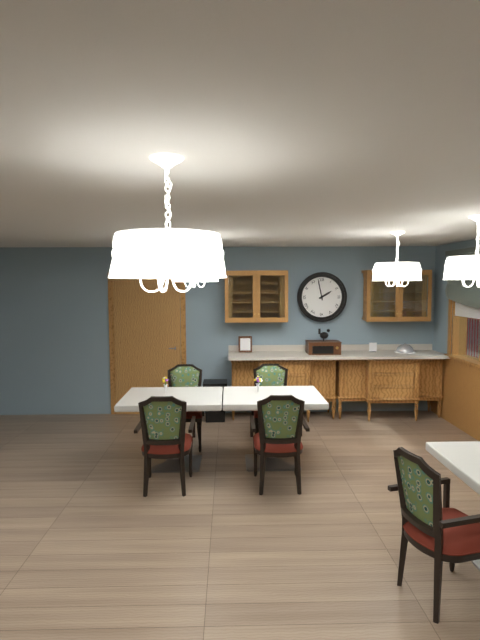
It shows 1 h 58 min
